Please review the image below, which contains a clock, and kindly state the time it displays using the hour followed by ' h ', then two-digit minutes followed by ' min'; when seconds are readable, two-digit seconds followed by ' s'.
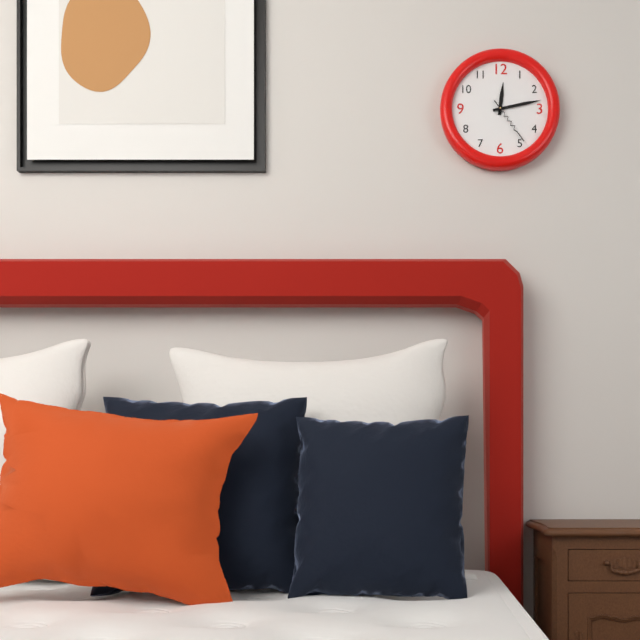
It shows 12 h 13 min 24 s
